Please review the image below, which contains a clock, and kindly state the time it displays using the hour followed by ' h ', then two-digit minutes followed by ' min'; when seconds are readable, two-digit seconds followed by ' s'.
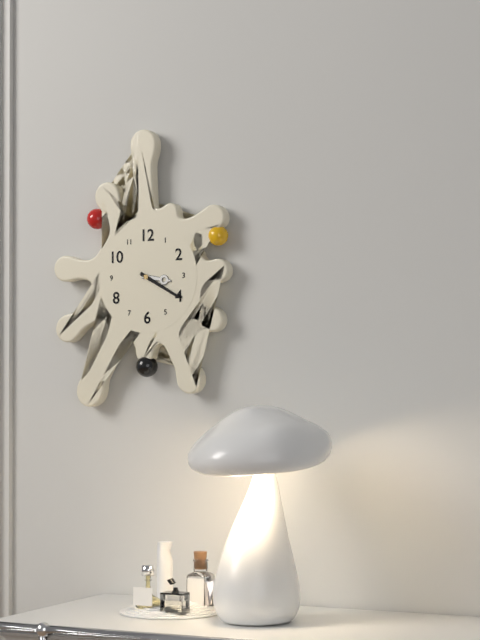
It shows 3 h 20 min
